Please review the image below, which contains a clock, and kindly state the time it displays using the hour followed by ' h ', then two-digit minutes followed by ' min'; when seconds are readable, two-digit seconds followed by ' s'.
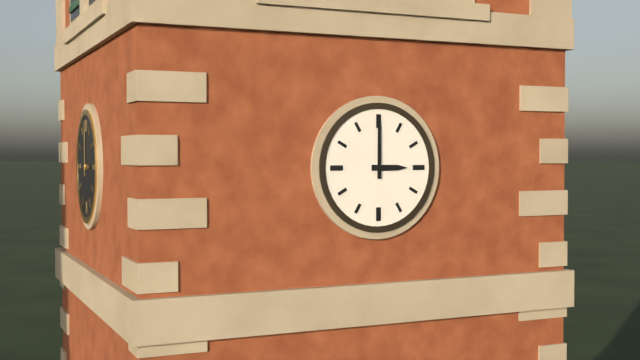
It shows 3 h 00 min
